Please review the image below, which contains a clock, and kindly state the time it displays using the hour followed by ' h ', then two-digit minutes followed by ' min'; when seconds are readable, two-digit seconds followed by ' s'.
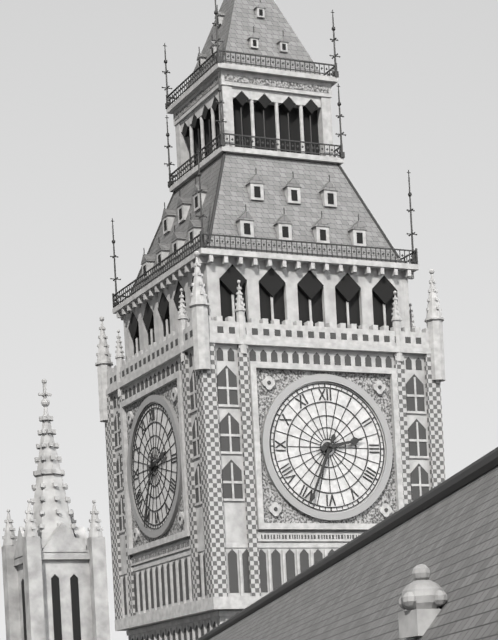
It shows 2 h 34 min
